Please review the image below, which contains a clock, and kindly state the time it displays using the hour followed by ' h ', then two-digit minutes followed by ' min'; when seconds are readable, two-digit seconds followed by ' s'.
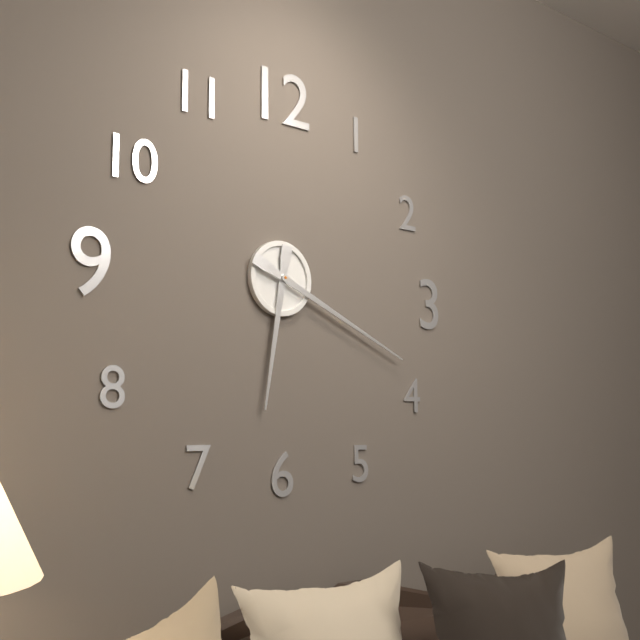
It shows 6 h 19 min
